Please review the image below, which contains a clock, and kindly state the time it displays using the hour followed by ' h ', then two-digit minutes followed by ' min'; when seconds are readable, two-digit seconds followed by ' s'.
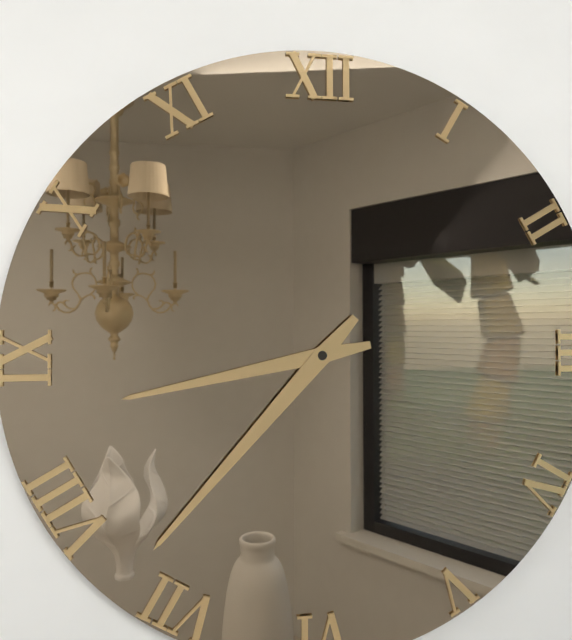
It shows 8 h 37 min
